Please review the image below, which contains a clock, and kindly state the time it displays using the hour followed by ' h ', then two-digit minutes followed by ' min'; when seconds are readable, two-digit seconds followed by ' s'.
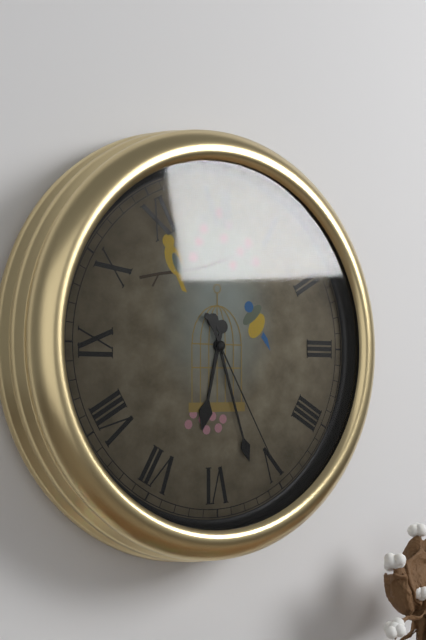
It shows 6 h 27 min 25 s
